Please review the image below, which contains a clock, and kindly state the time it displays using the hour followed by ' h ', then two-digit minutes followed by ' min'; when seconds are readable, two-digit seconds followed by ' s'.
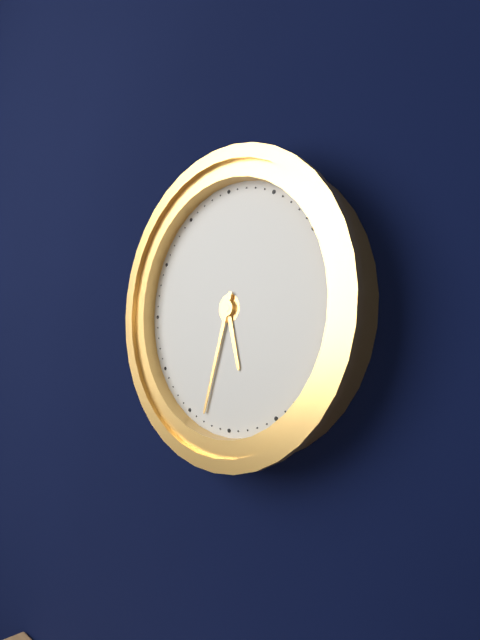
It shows 5 h 33 min
